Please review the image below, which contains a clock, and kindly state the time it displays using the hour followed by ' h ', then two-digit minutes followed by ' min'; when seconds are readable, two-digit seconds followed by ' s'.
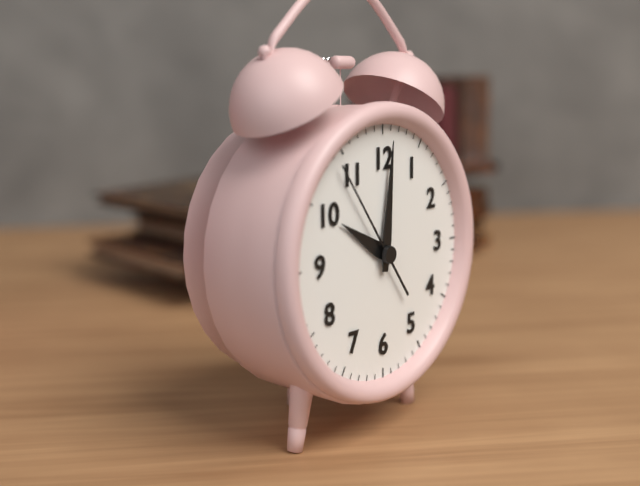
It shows 10 h 01 min 54 s
